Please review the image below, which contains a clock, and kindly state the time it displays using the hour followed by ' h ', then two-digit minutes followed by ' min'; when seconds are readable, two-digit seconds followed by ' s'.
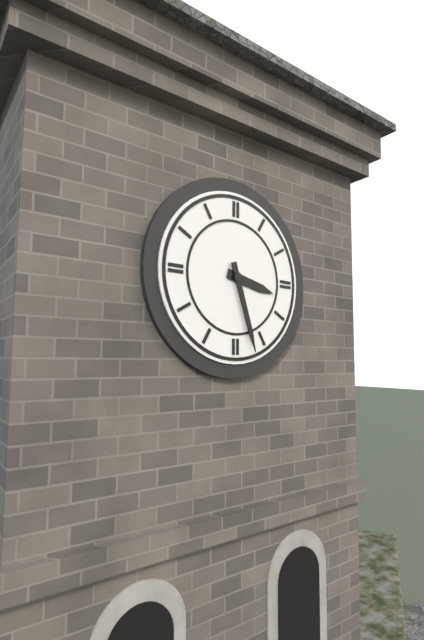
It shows 3 h 27 min
